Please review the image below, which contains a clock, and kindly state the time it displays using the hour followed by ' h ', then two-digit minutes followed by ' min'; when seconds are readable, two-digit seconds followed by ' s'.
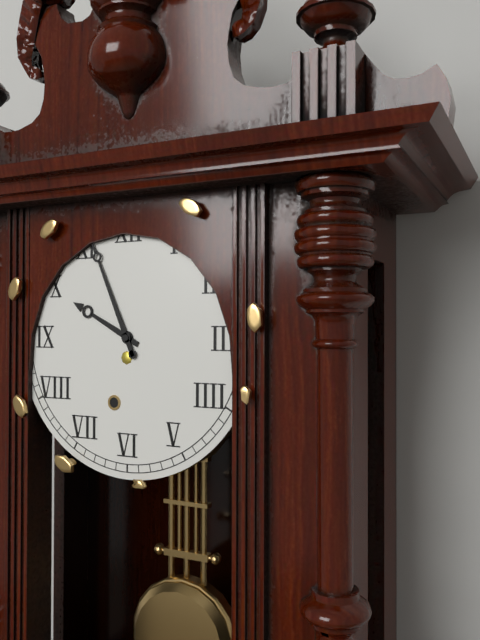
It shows 9 h 56 min
